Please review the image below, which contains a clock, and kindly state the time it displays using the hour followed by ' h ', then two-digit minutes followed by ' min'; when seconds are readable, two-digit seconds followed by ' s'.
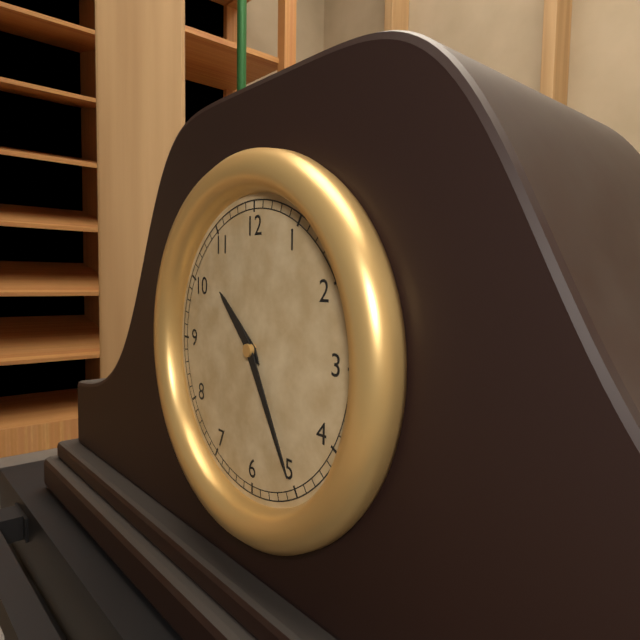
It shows 10 h 25 min
